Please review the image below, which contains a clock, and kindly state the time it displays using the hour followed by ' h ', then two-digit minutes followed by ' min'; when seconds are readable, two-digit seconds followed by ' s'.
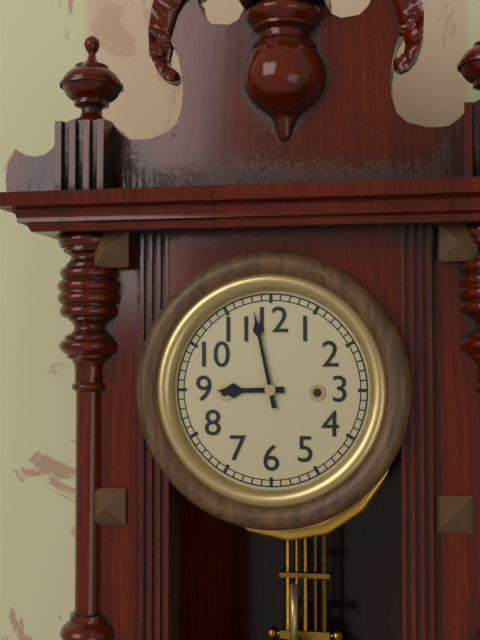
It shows 8 h 58 min
